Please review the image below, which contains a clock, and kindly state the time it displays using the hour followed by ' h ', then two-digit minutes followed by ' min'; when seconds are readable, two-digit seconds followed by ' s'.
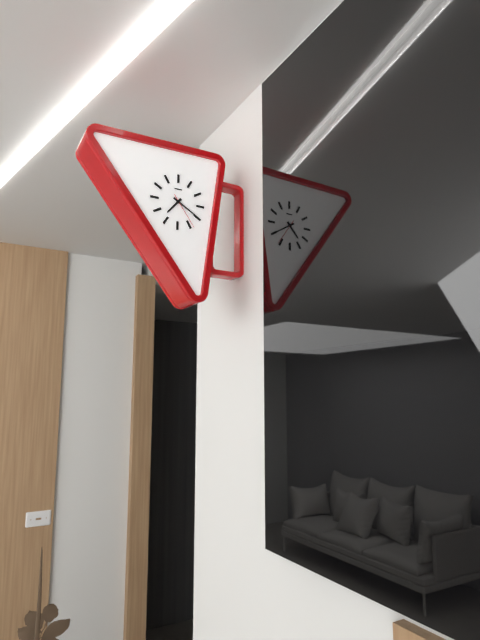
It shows 7 h 20 min
